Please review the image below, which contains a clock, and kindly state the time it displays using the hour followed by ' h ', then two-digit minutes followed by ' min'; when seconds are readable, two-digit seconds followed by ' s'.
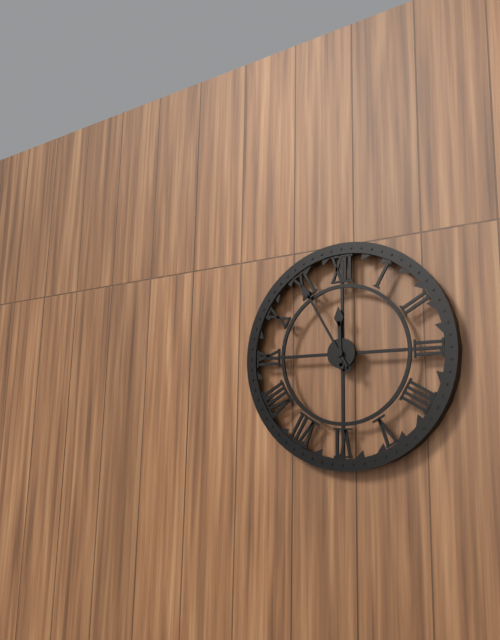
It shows 11 h 55 min
